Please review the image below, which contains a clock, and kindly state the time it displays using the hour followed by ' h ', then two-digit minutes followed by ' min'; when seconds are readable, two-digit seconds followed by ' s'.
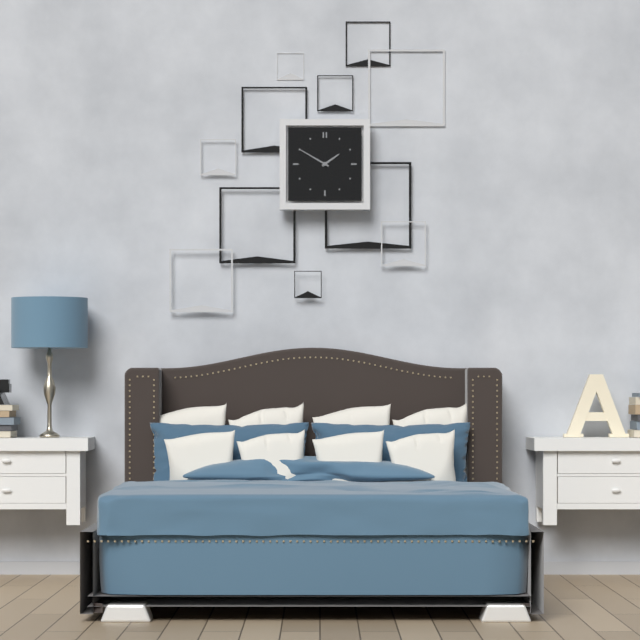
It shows 1 h 50 min
